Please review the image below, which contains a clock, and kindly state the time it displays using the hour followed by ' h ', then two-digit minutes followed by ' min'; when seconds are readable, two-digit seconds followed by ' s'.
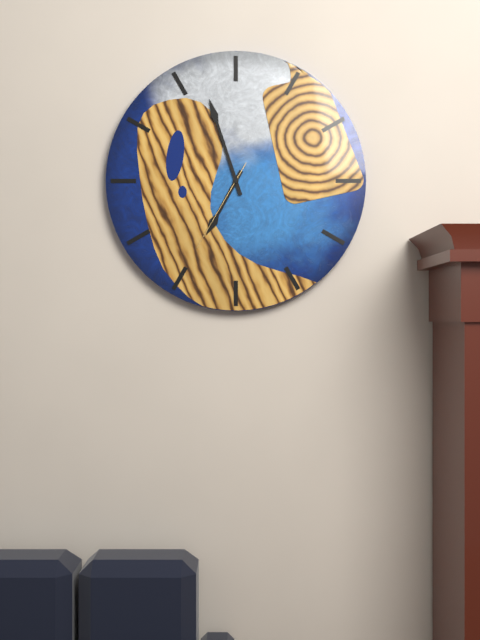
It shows 6 h 57 min 35 s
